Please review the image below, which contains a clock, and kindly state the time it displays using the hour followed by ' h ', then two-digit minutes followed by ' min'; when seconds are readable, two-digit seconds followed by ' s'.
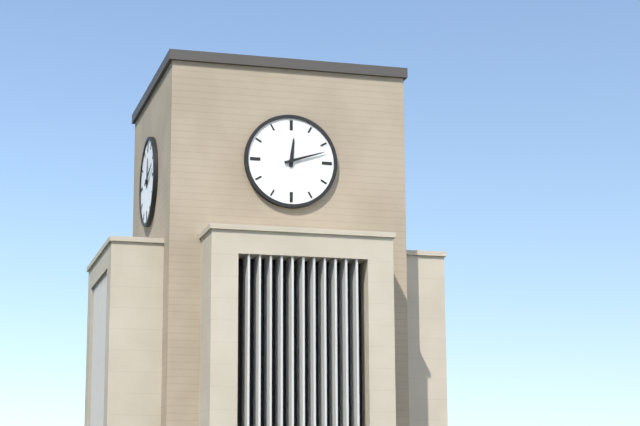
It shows 12 h 12 min
